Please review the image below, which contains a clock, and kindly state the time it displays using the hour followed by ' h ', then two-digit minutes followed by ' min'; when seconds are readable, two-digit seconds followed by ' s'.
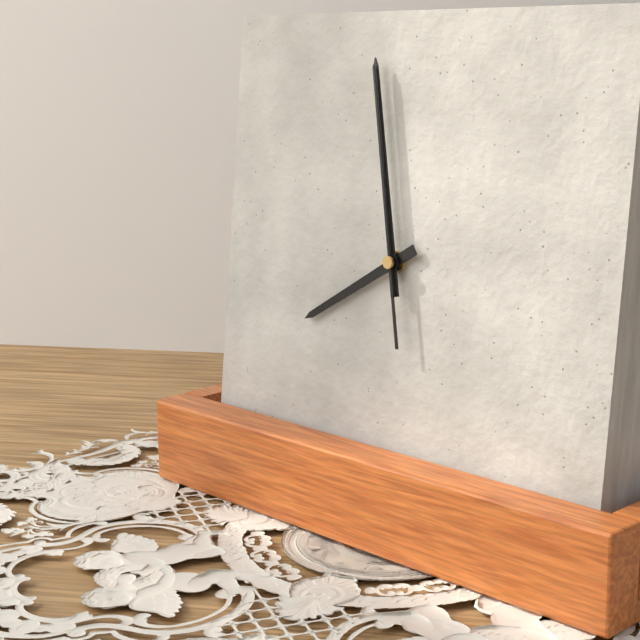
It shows 7 h 58 min 58 s
